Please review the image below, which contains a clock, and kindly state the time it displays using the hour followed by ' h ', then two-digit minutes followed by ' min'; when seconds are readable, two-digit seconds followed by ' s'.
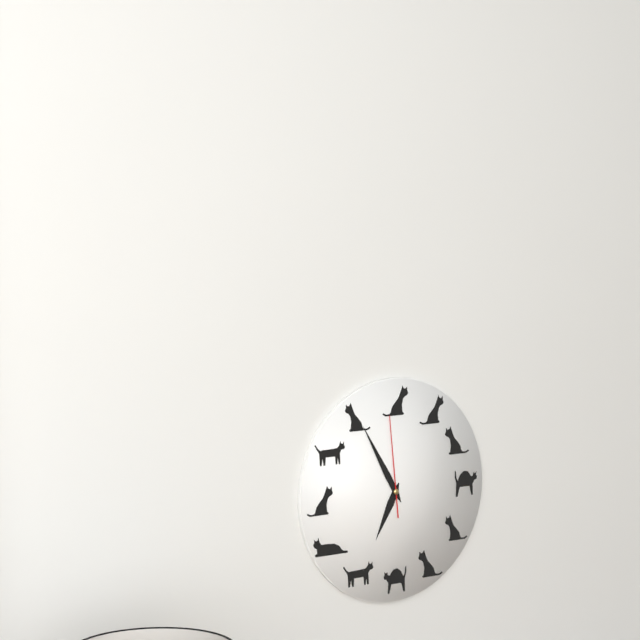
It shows 6 h 55 min 59 s
